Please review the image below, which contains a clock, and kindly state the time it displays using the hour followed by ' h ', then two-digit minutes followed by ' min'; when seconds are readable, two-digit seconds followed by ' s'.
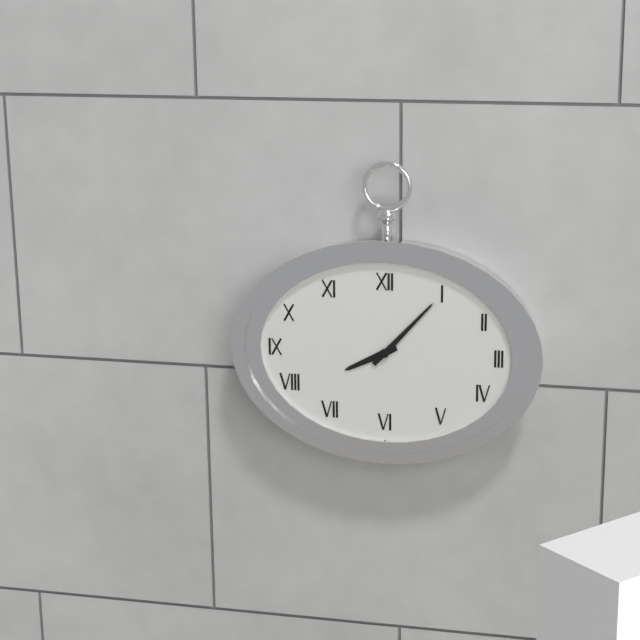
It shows 8 h 07 min
